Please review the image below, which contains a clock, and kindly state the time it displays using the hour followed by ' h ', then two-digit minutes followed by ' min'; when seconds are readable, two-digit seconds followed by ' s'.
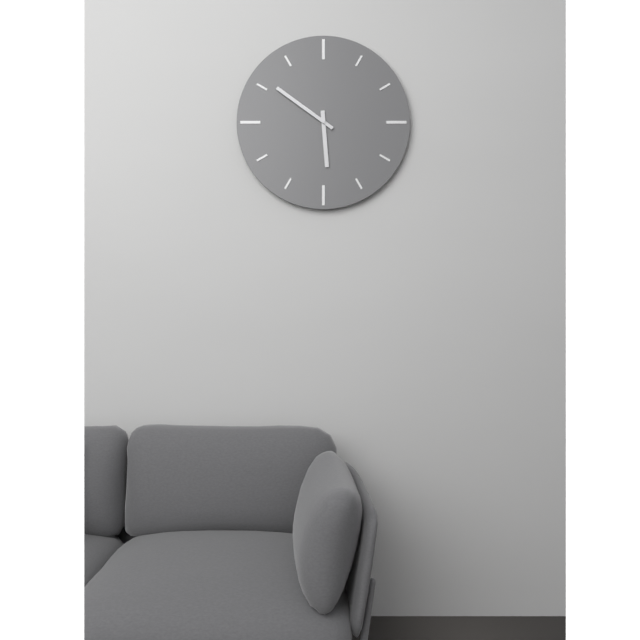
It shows 5 h 51 min
